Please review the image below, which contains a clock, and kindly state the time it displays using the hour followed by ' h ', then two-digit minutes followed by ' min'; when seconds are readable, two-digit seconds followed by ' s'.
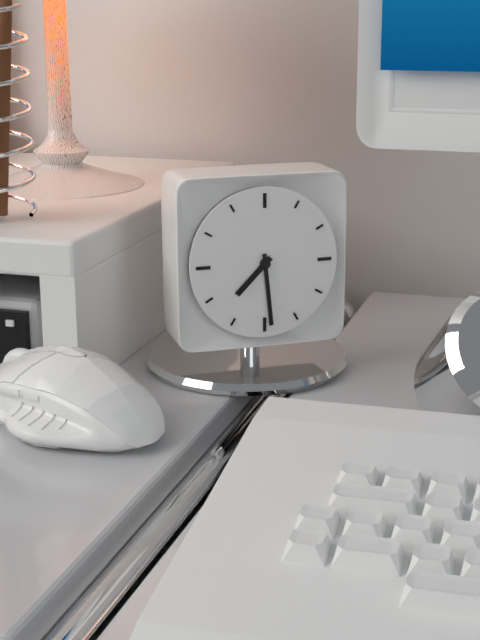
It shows 7 h 29 min
